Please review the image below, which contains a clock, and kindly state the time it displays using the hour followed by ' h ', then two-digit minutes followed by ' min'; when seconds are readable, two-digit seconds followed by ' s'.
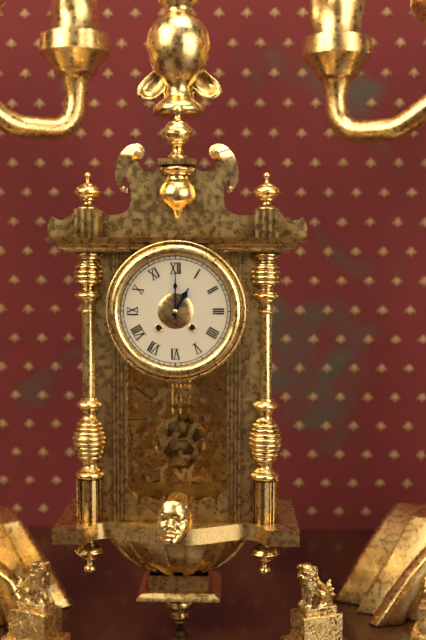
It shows 1 h 00 min
